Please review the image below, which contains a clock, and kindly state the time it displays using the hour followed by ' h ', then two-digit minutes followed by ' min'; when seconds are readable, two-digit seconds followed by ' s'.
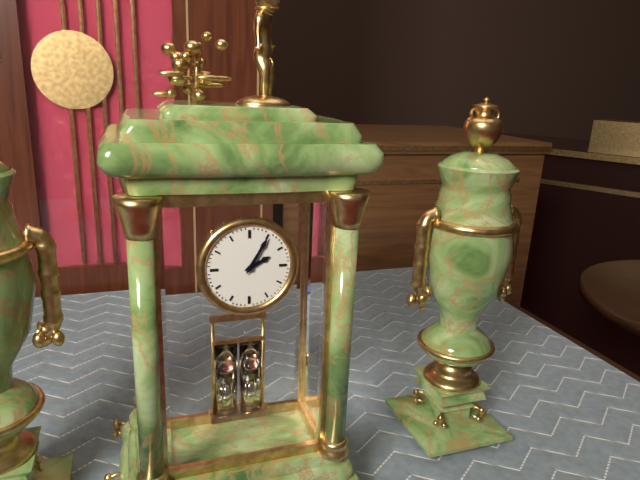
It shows 2 h 05 min
